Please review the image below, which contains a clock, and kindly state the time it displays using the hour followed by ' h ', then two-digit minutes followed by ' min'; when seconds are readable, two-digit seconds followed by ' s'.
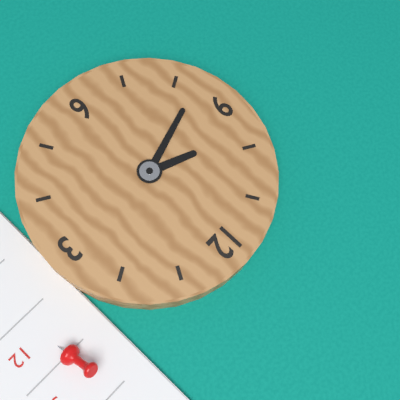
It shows 9 h 42 min
